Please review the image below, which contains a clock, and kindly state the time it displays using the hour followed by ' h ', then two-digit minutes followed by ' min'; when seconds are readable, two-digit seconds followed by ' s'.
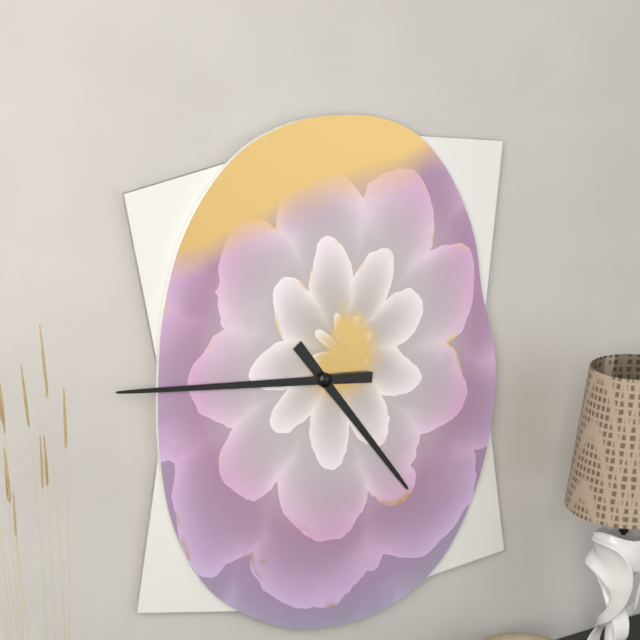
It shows 4 h 46 min
